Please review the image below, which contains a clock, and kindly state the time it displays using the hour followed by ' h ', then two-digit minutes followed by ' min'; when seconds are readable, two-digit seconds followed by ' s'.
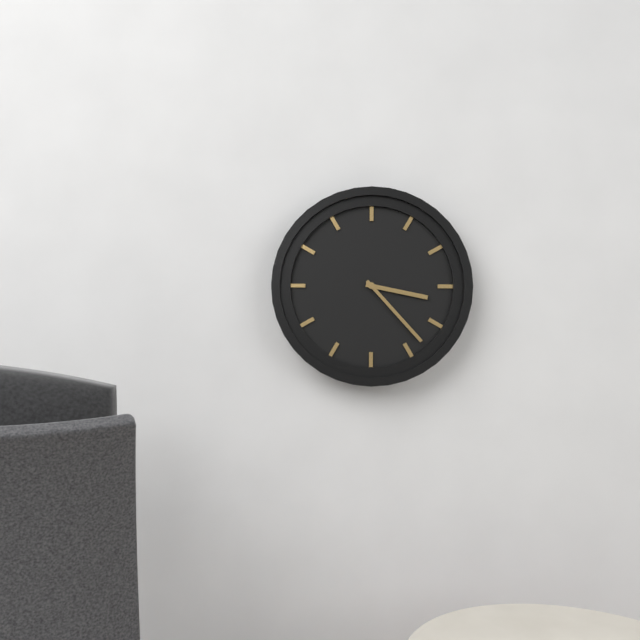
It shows 3 h 23 min
